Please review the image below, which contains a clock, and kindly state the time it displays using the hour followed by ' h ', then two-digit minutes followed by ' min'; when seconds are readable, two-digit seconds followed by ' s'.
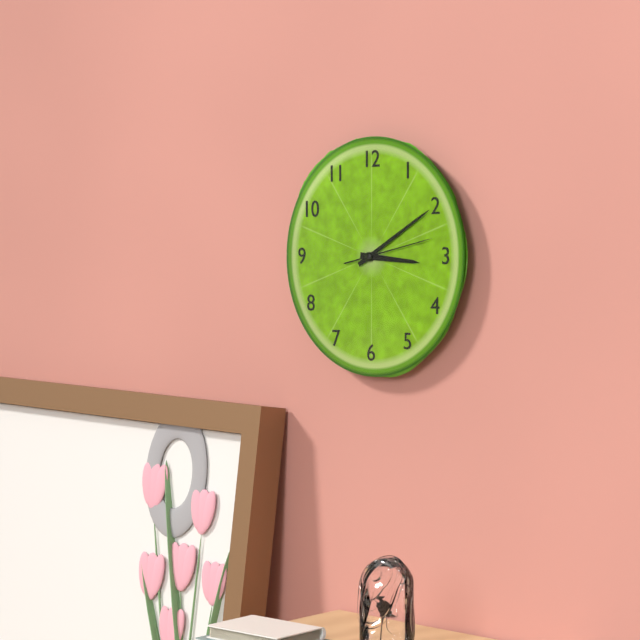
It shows 3 h 10 min 13 s
